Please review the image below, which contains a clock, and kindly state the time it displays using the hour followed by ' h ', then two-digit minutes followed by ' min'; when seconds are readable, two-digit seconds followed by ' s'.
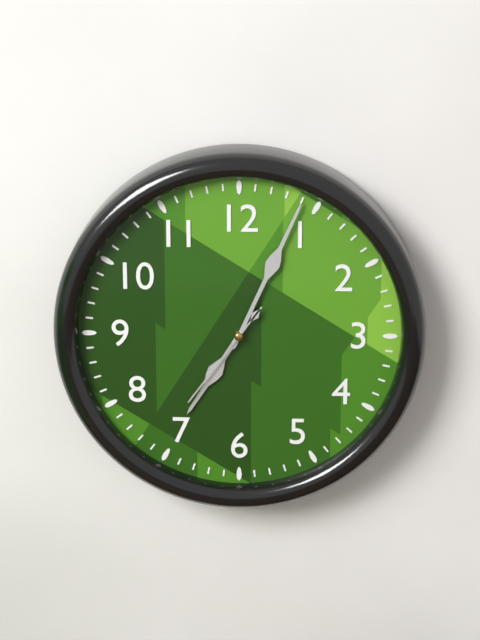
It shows 7 h 04 min 36 s
